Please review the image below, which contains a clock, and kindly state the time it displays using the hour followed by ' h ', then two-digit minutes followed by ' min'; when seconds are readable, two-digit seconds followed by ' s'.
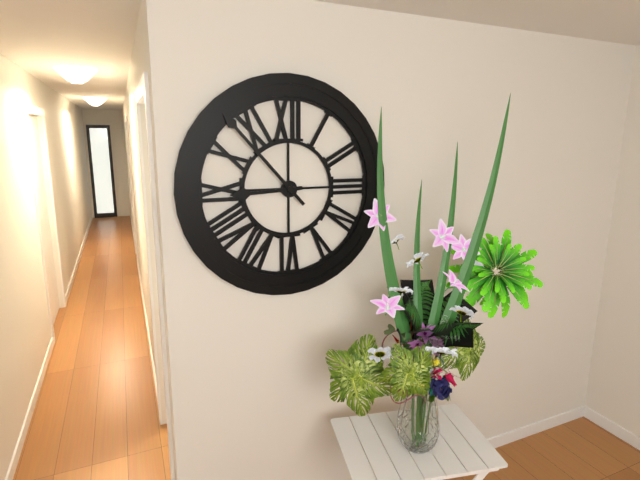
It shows 8 h 53 min
